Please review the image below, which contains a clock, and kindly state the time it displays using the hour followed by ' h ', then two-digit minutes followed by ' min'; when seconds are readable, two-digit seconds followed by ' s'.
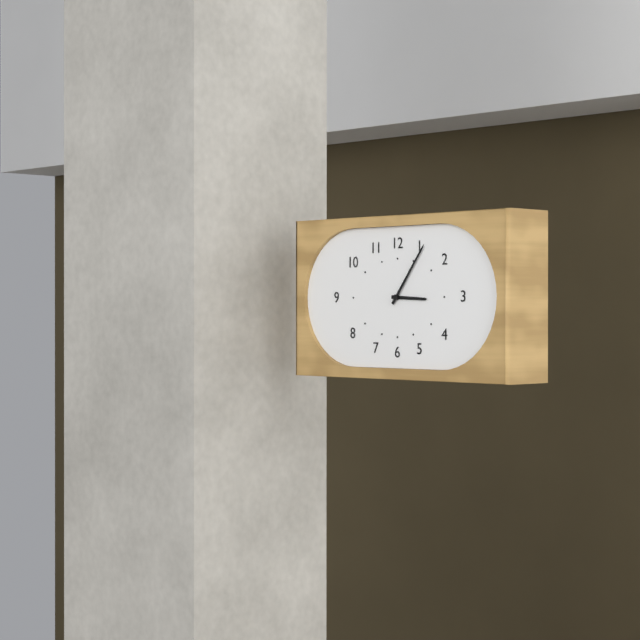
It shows 3 h 06 min
